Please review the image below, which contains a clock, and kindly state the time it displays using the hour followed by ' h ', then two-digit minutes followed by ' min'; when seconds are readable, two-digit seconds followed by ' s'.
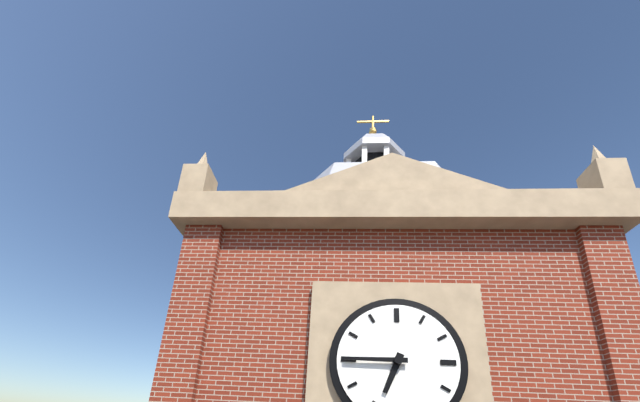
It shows 6 h 45 min
